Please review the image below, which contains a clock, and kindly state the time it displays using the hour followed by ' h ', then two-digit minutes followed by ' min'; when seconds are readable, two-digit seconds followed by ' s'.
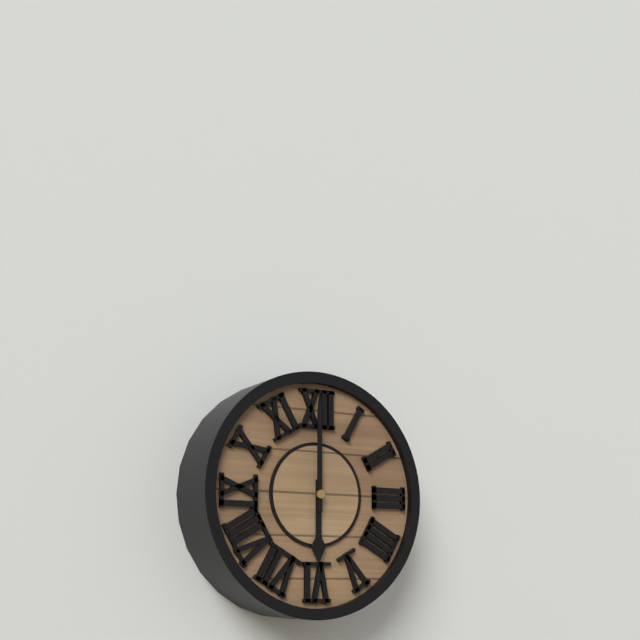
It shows 6 h 00 min
